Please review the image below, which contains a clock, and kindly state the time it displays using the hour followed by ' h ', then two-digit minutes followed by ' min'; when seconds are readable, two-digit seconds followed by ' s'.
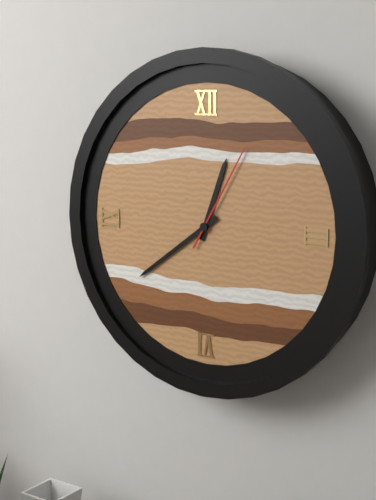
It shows 12 h 39 min 05 s
